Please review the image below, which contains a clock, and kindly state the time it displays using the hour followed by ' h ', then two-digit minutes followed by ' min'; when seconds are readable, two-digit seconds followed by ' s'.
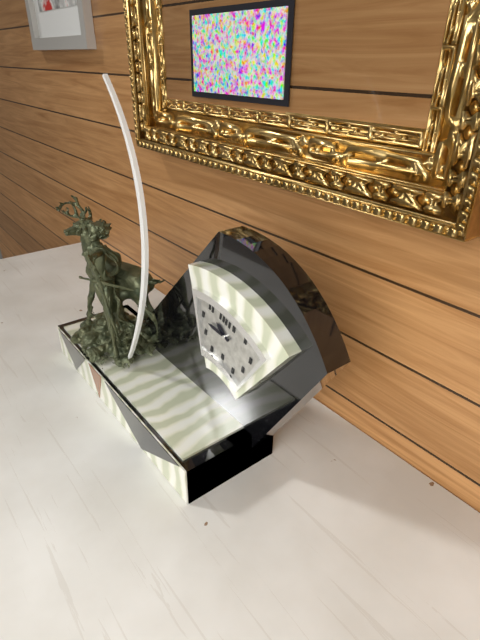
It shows 9 h 44 min
